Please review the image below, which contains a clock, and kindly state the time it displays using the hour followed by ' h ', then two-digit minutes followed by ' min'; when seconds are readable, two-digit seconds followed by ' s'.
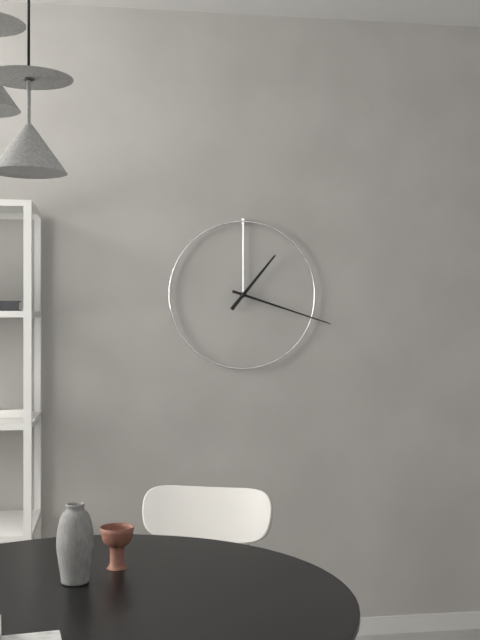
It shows 1 h 18 min
